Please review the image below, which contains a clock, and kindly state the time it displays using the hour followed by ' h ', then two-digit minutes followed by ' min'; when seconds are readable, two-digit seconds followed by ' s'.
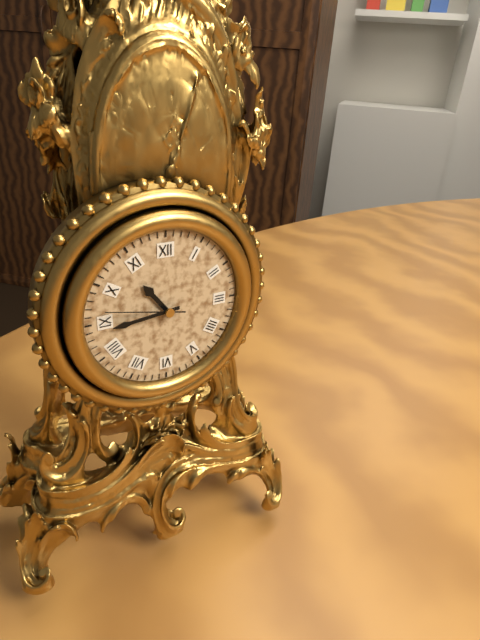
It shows 10 h 44 min 47 s
